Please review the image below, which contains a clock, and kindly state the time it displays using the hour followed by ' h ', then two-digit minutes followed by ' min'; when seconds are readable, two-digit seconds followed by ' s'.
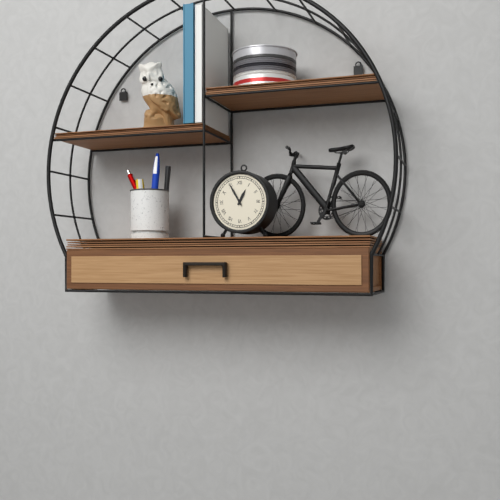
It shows 12 h 55 min
